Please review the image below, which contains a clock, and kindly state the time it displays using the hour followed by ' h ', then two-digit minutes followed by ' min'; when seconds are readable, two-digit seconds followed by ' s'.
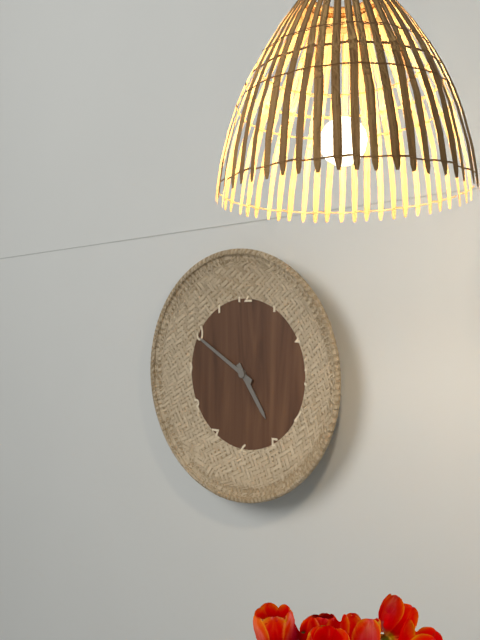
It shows 4 h 50 min
